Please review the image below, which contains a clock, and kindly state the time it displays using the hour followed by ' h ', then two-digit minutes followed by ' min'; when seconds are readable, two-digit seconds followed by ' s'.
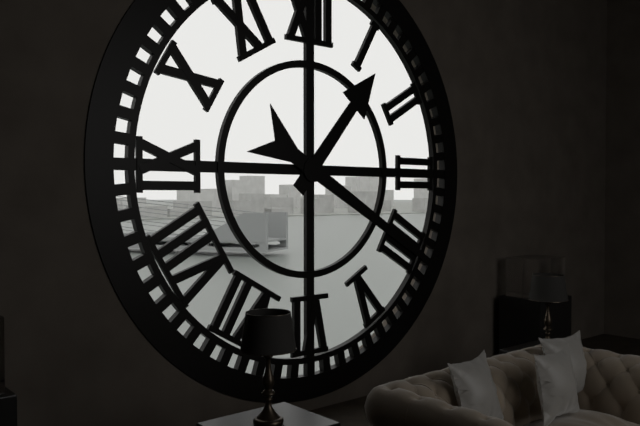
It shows 1 h 20 min
